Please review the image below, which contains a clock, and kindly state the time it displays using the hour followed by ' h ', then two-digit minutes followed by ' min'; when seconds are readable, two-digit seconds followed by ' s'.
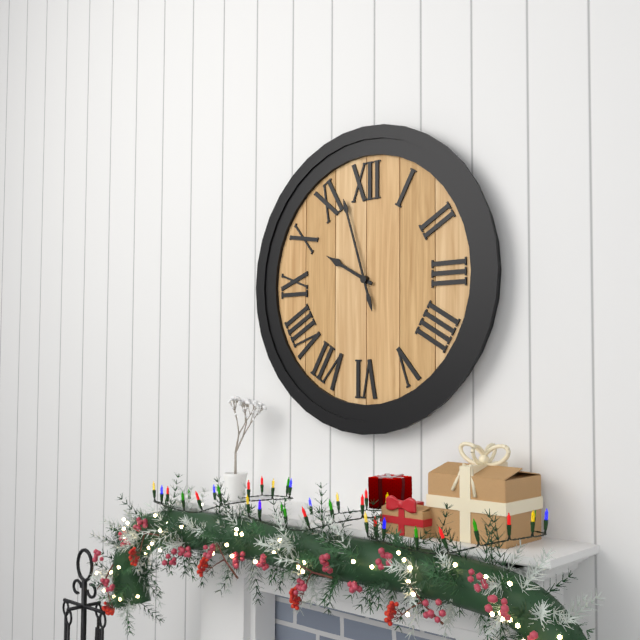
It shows 9 h 57 min
